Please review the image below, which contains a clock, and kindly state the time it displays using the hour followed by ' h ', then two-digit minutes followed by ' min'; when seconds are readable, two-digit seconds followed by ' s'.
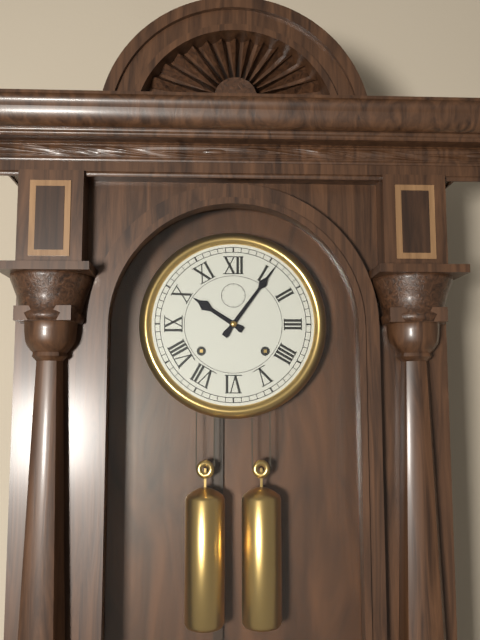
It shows 10 h 06 min
